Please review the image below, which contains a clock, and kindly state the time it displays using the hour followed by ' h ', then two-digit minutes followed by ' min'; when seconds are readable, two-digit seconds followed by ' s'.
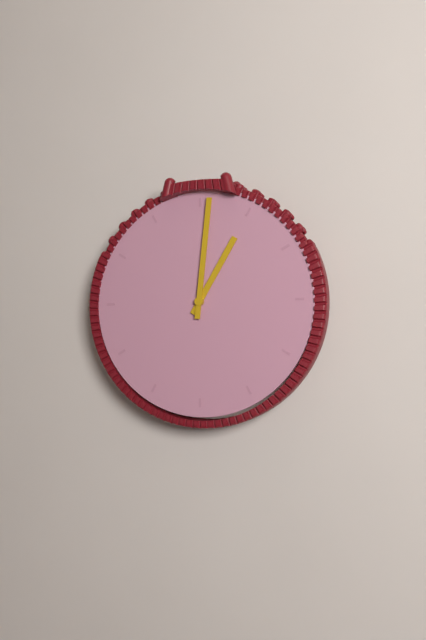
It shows 1 h 01 min
